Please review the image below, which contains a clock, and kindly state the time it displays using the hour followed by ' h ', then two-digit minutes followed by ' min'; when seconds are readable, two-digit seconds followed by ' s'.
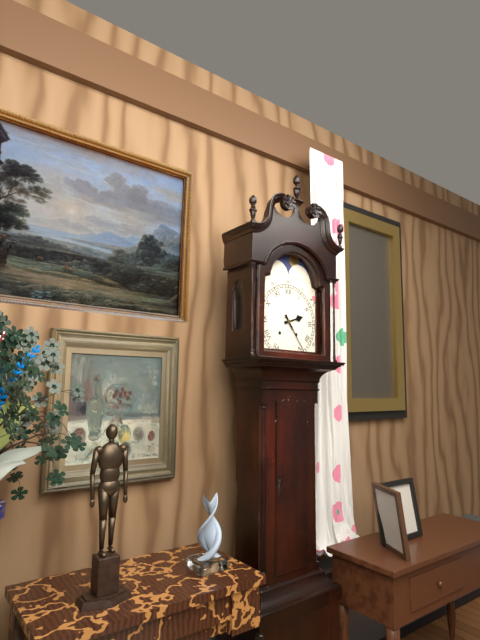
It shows 2 h 24 min
